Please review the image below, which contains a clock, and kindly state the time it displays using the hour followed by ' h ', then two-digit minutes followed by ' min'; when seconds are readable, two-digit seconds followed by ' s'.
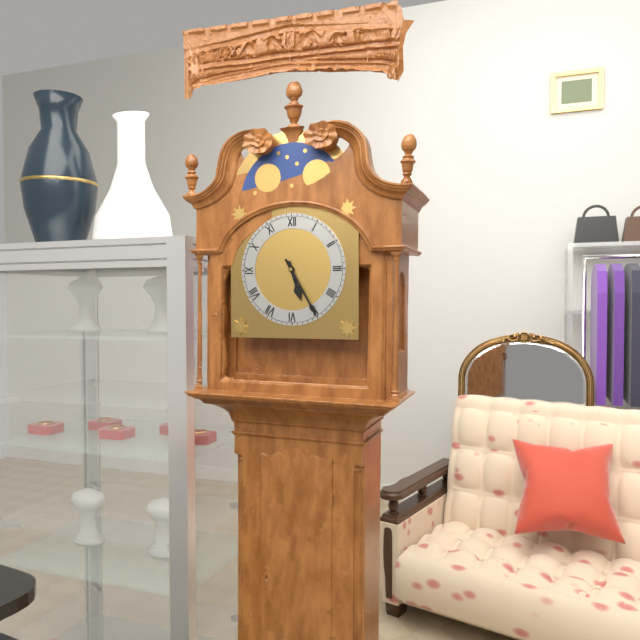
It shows 5 h 25 min
